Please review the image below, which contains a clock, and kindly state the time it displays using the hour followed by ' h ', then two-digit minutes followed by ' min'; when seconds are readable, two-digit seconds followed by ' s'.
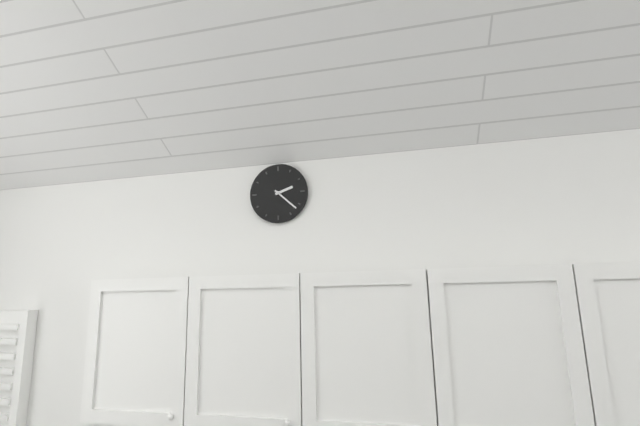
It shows 2 h 22 min
